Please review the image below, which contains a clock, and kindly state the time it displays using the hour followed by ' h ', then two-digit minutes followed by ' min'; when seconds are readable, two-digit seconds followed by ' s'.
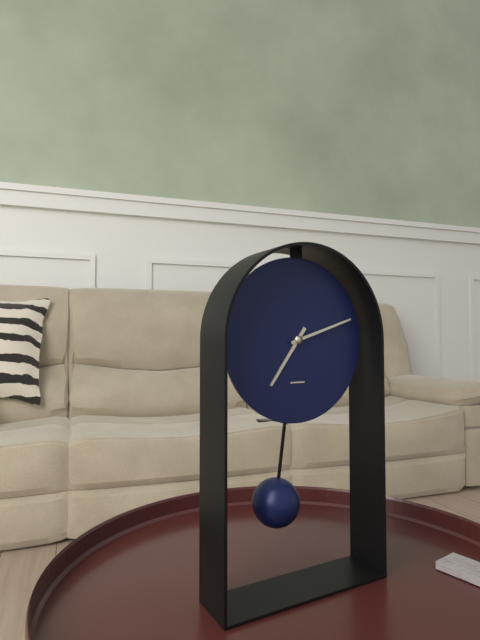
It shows 7 h 12 min
